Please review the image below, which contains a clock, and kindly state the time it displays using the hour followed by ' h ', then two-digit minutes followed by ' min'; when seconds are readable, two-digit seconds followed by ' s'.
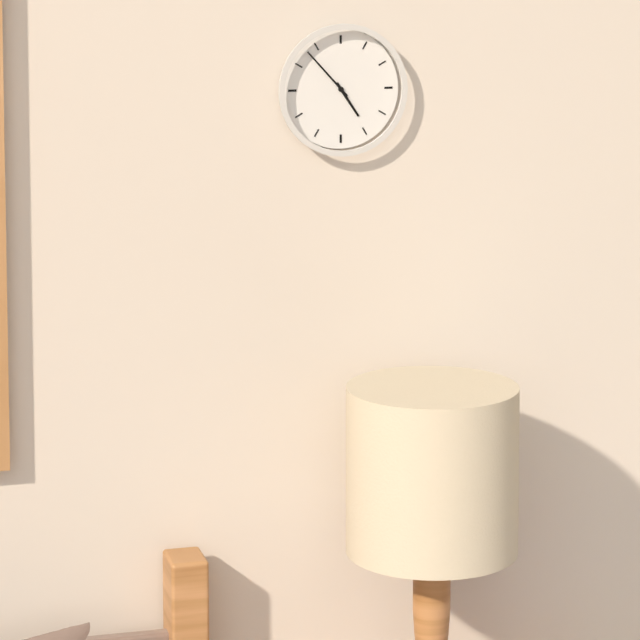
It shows 4 h 53 min
